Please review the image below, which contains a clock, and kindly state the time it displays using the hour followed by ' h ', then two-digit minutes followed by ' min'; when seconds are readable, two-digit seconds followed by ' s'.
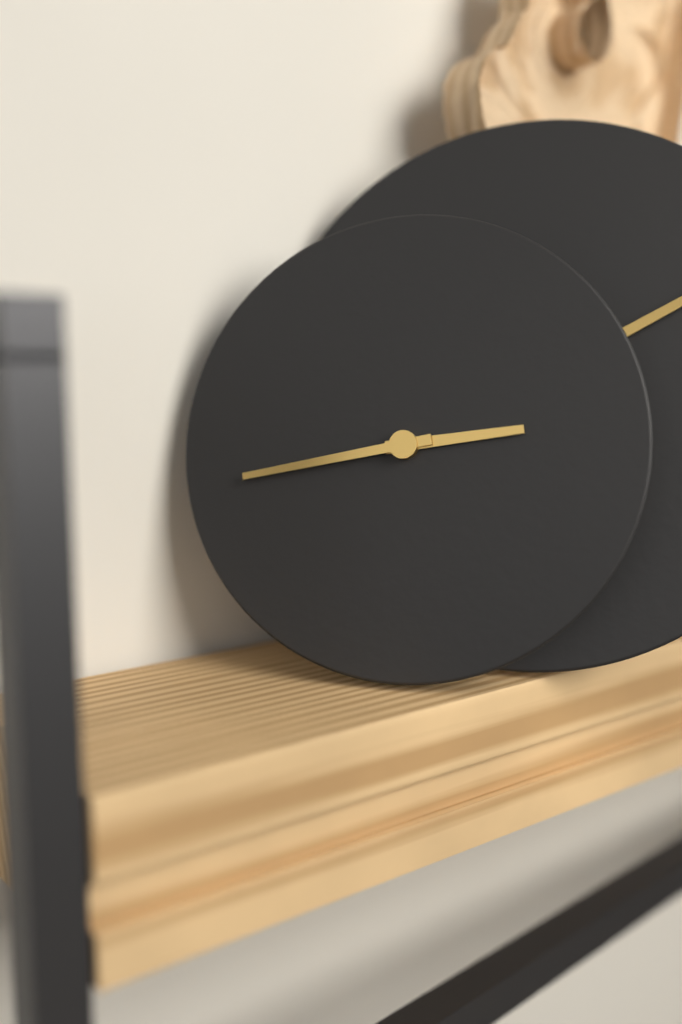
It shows 2 h 43 min
